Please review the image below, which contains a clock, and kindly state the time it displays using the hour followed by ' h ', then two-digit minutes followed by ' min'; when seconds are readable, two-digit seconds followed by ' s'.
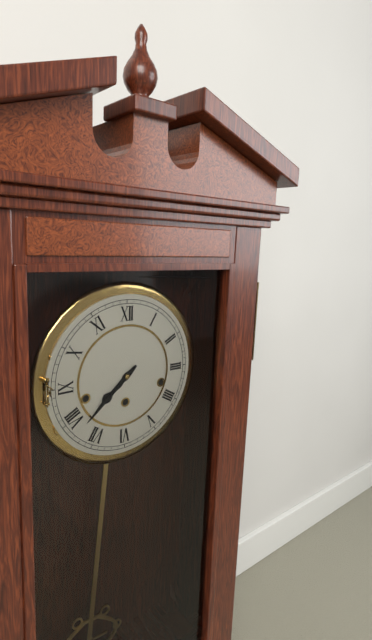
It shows 7 h 38 min
